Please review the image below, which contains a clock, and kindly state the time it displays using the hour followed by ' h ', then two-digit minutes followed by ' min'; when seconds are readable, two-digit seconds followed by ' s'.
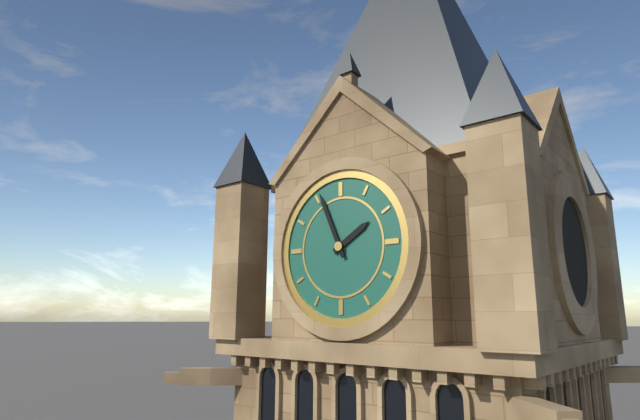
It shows 1 h 56 min
